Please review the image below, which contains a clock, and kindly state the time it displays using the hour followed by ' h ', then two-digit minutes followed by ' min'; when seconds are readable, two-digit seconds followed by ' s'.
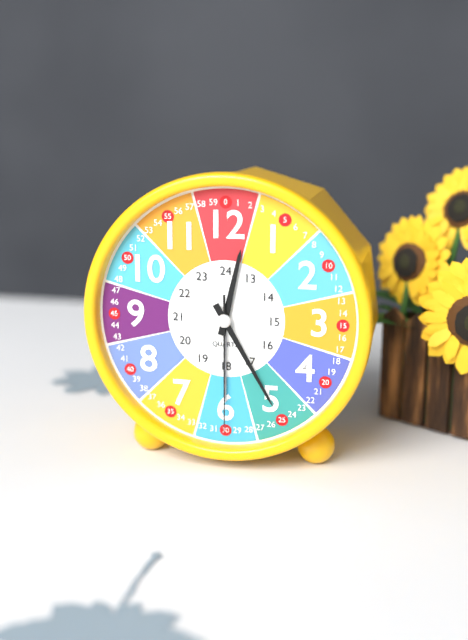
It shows 12 h 25 min 30 s
